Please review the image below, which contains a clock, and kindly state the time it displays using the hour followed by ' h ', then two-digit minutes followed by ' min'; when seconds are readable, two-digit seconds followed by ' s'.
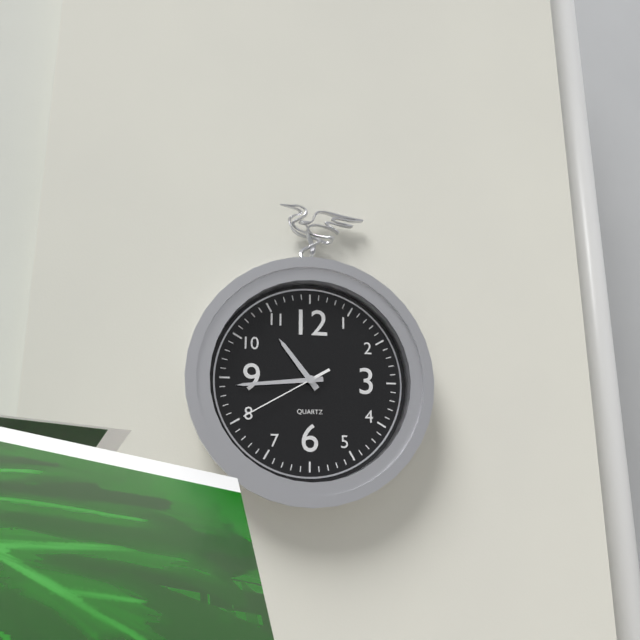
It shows 10 h 44 min 40 s
